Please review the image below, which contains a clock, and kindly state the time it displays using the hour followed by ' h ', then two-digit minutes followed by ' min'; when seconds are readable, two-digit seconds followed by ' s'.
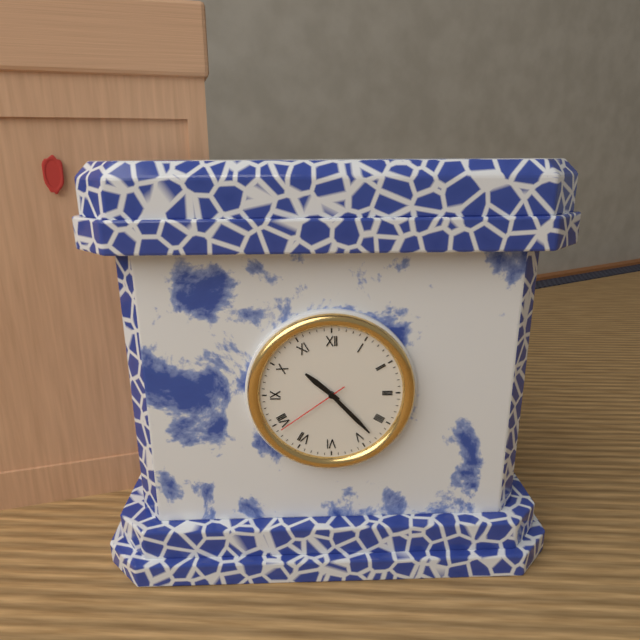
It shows 10 h 23 min 39 s
